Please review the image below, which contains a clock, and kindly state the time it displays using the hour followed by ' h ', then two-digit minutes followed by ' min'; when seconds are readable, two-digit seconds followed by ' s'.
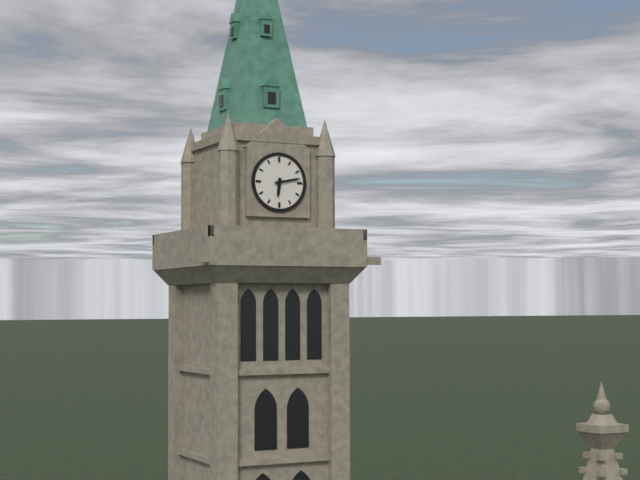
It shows 6 h 13 min
